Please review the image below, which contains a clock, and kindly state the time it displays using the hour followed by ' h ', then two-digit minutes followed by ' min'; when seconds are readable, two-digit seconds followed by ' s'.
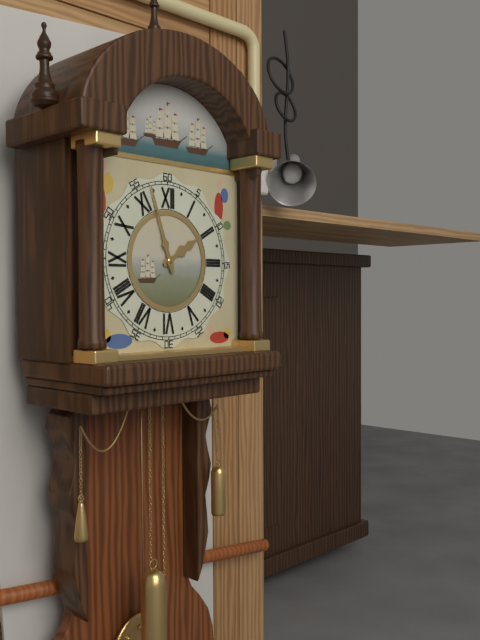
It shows 1 h 57 min
